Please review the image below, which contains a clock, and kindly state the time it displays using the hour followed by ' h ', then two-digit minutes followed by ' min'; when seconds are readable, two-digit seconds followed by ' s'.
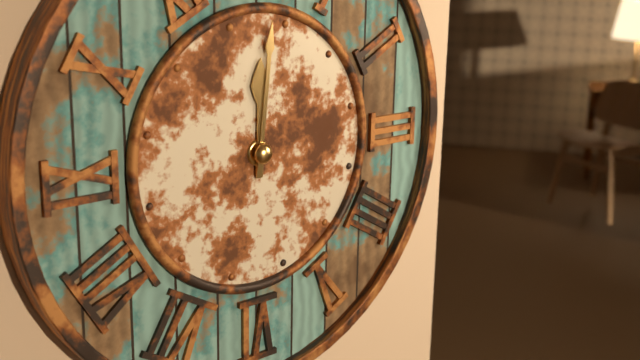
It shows 12 h 01 min
